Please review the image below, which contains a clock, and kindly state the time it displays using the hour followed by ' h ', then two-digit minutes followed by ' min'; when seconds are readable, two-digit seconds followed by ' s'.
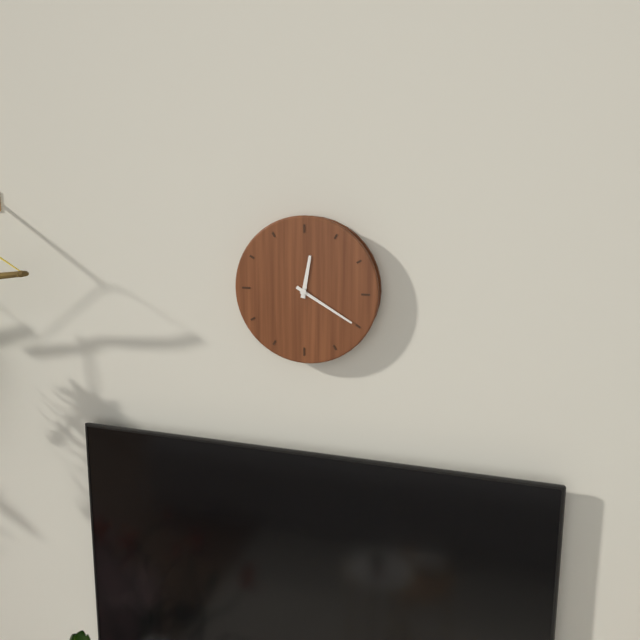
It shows 12 h 20 min
